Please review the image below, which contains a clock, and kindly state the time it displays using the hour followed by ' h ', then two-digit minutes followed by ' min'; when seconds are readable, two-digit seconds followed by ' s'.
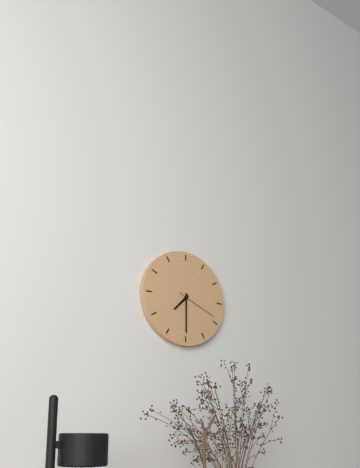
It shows 7 h 30 min
